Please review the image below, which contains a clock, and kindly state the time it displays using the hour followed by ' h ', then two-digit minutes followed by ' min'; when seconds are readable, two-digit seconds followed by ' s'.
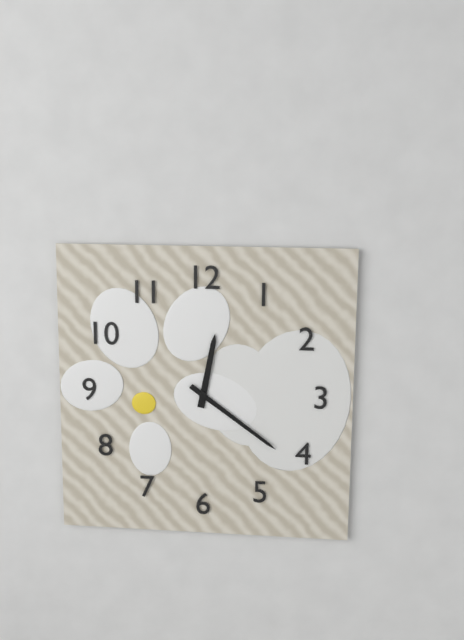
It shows 12 h 21 min
